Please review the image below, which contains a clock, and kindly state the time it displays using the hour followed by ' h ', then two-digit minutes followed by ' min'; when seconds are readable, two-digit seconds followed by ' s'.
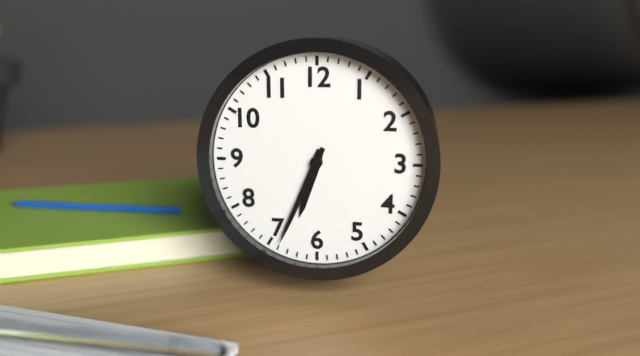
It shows 6 h 34 min
